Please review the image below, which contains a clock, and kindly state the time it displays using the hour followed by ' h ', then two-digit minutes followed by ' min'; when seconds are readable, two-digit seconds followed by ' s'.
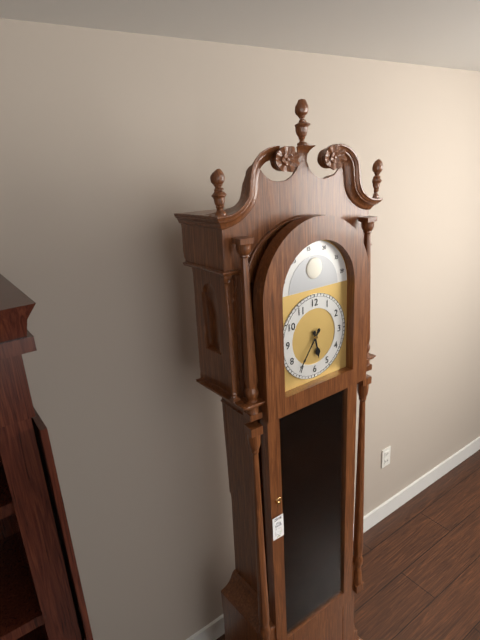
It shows 5 h 36 min
